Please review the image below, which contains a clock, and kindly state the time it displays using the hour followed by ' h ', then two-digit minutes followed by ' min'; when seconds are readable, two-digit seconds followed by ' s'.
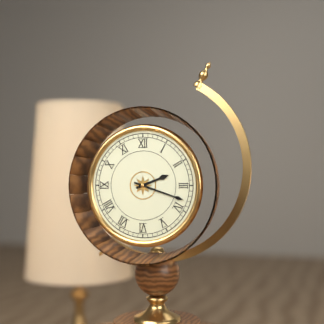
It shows 2 h 18 min
